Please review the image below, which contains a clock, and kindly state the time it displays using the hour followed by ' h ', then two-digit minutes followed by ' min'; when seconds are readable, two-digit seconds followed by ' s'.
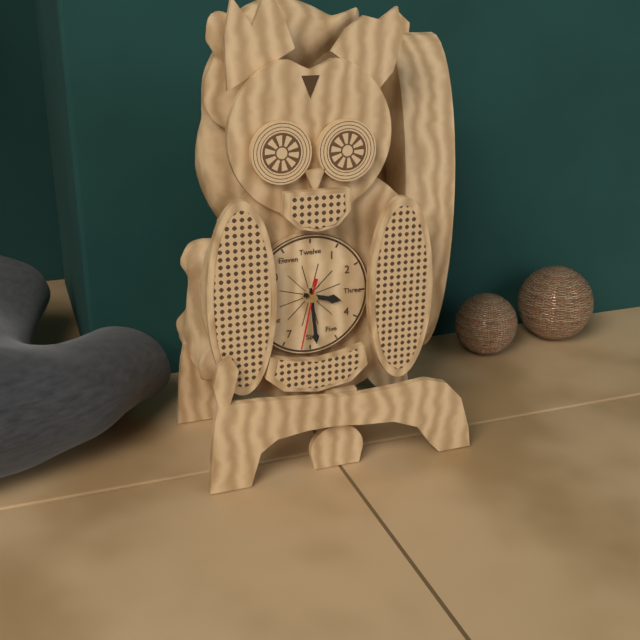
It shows 3 h 29 min 32 s
